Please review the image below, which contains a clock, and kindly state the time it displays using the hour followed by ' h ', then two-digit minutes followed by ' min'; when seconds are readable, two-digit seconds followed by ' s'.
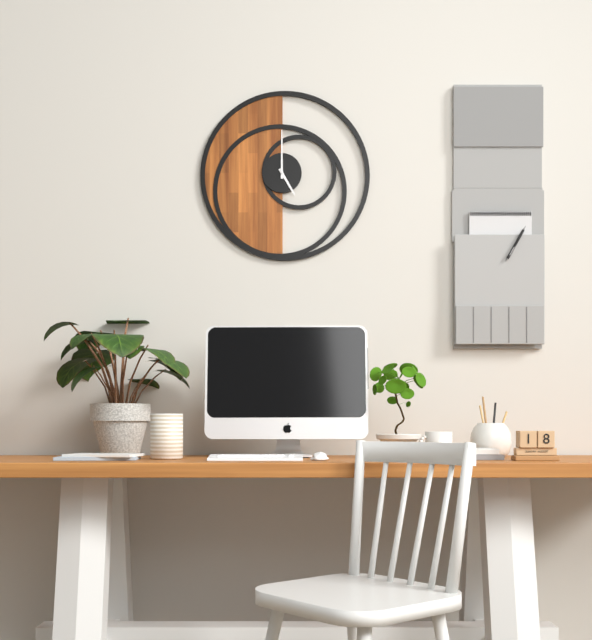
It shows 5 h 00 min
